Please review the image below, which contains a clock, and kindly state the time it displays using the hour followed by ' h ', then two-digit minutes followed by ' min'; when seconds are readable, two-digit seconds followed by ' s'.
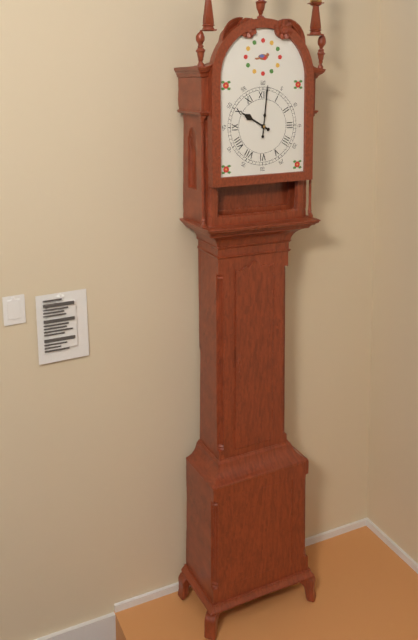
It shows 10 h 01 min
